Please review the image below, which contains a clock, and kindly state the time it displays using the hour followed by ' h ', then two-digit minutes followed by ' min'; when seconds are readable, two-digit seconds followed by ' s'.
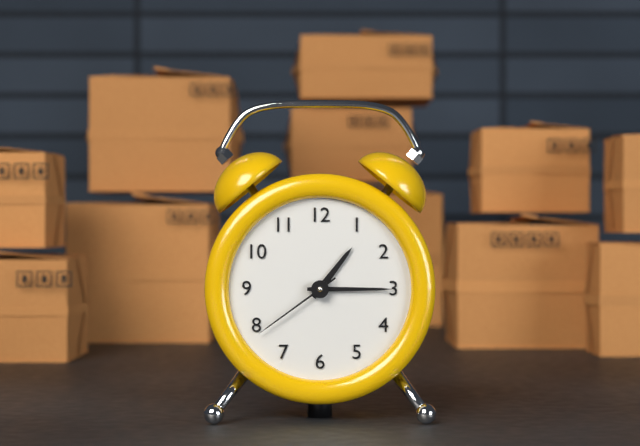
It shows 1 h 15 min 39 s
